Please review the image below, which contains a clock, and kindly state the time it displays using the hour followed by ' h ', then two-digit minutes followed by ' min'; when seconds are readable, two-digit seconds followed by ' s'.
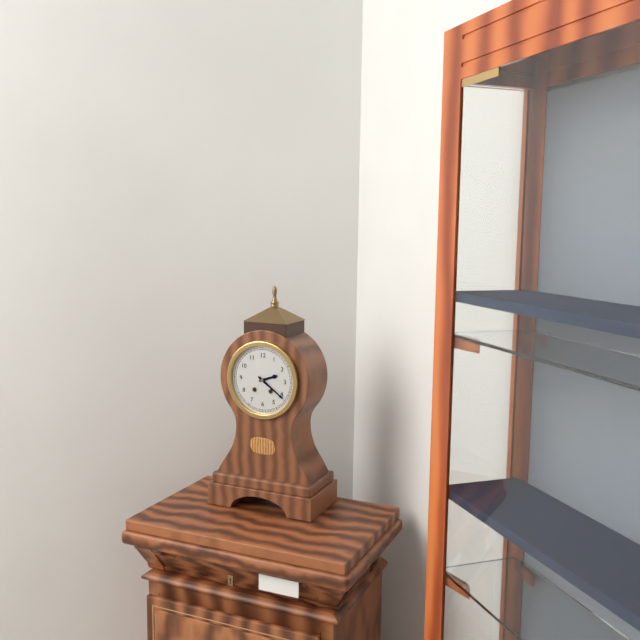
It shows 2 h 21 min
